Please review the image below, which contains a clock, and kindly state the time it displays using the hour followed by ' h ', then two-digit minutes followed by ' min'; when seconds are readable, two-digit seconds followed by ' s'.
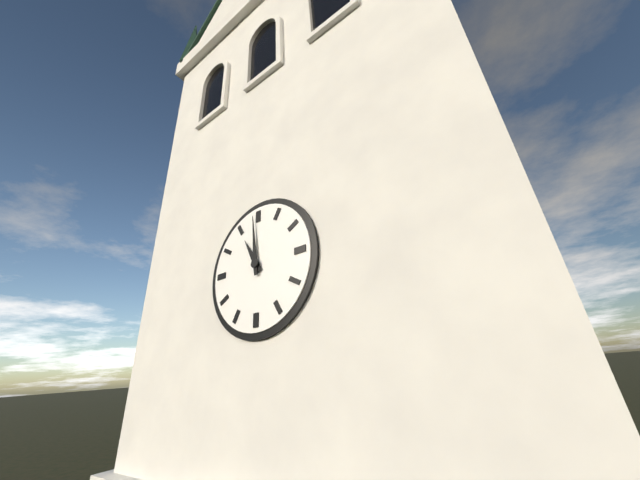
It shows 10 h 59 min
